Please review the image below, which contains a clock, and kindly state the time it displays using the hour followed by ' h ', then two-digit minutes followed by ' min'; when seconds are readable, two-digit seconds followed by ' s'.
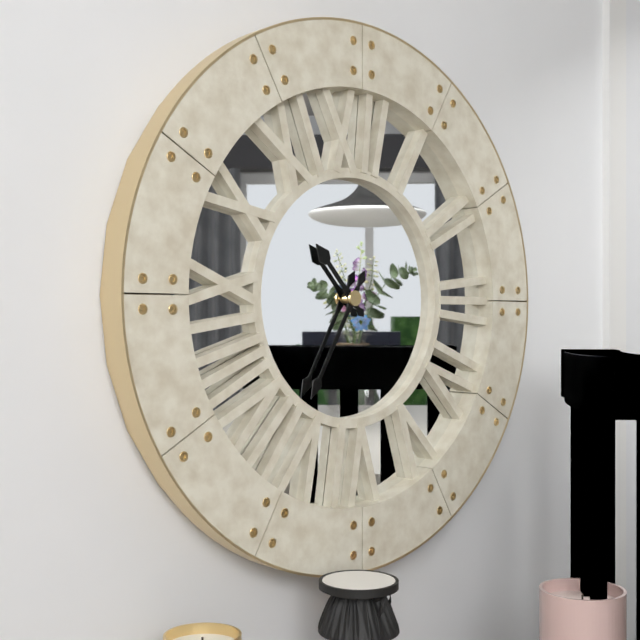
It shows 10 h 35 min
